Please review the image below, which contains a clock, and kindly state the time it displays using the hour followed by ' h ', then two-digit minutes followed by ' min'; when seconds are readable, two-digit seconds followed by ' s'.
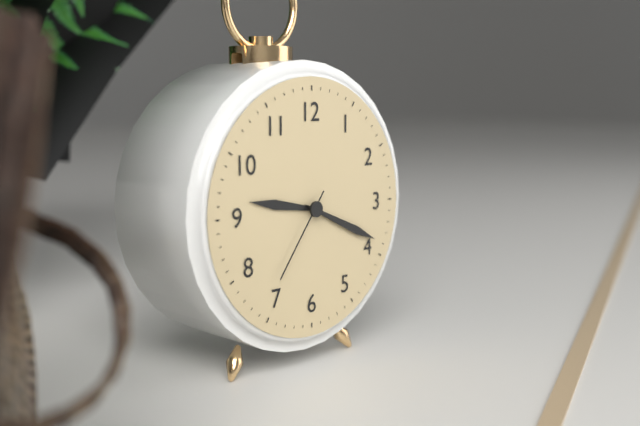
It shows 9 h 19 min 36 s
